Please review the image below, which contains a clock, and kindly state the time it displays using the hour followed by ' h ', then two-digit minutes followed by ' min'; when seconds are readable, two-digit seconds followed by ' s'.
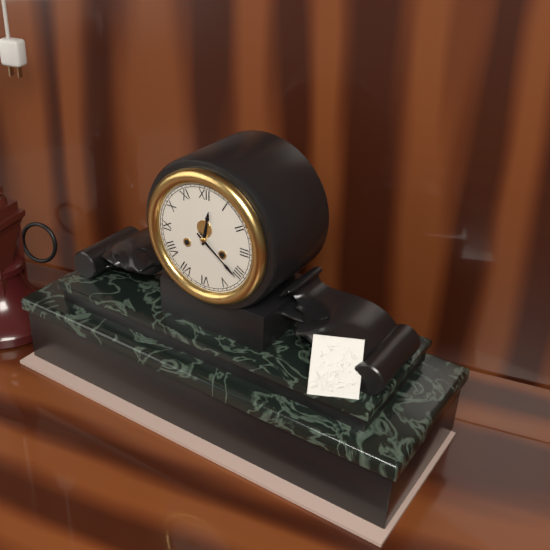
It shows 12 h 21 min
